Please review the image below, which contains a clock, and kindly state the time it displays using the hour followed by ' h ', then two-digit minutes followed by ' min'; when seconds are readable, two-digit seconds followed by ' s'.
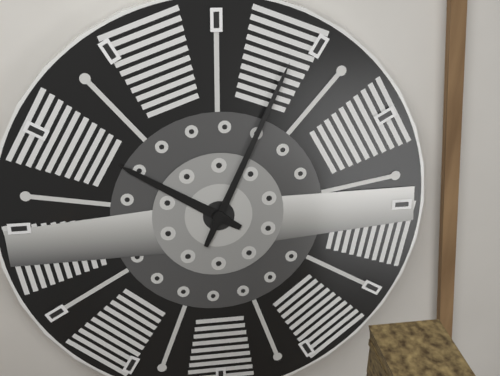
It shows 10 h 04 min
